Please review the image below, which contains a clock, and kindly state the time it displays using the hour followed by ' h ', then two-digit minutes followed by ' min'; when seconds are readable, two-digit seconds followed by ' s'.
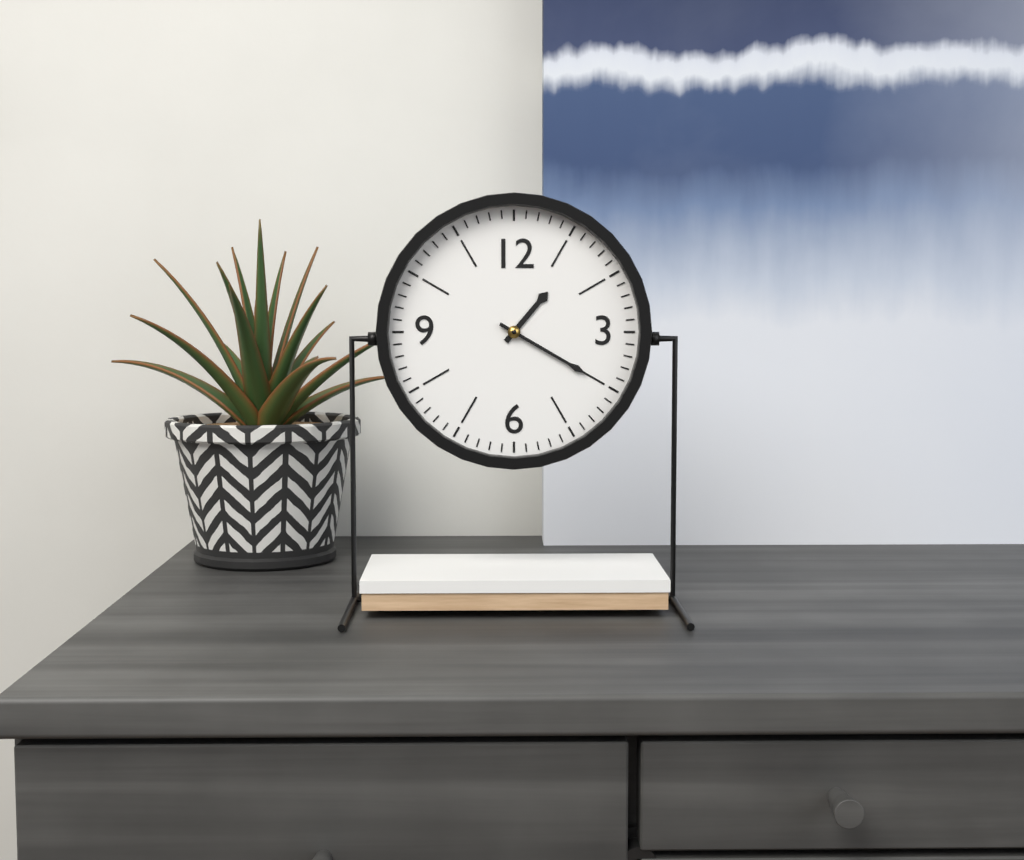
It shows 1 h 20 min
